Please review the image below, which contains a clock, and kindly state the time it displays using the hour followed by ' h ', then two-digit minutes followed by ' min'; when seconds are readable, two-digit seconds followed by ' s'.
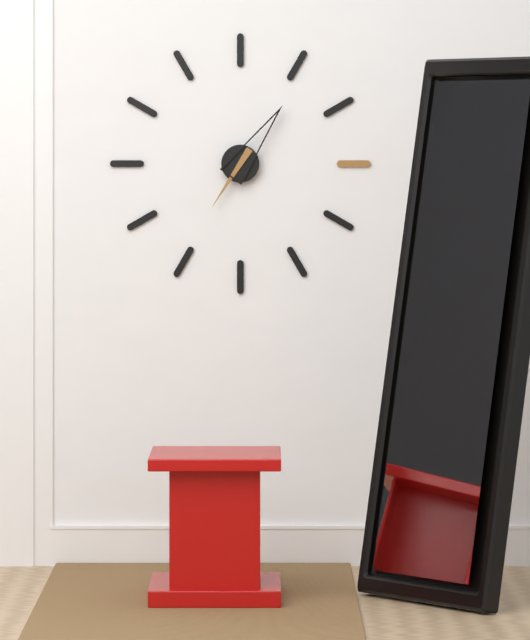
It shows 7 h 06 min
